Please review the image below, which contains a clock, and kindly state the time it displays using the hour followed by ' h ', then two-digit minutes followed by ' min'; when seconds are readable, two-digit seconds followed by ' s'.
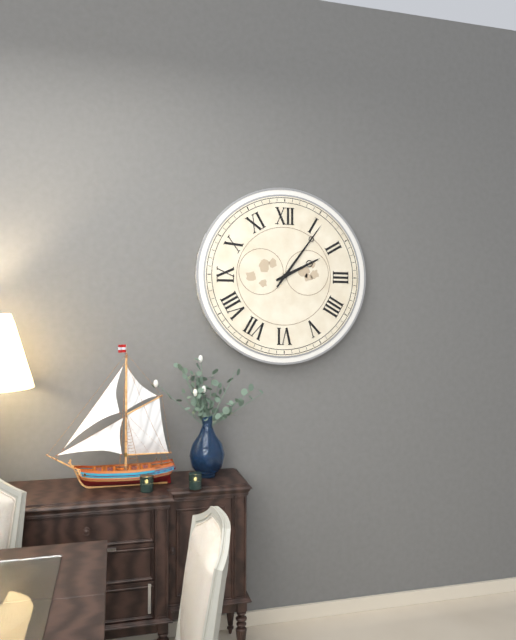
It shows 2 h 06 min
